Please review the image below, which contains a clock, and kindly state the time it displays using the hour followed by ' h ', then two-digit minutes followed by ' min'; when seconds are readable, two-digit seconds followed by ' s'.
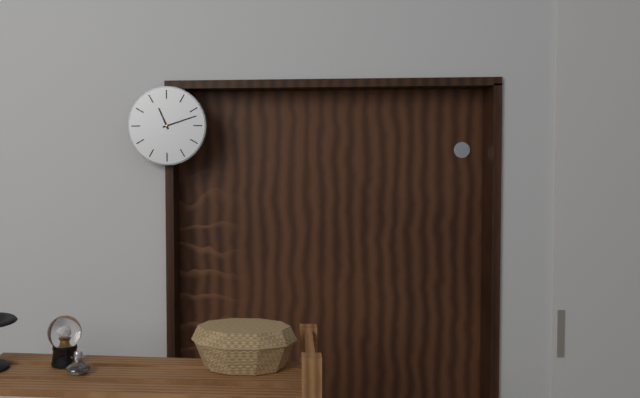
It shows 11 h 12 min
